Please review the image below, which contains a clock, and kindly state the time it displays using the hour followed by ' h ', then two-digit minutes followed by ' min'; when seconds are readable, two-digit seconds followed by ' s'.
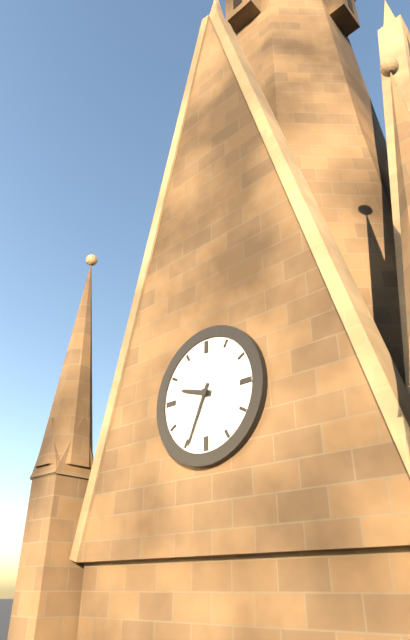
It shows 9 h 34 min
